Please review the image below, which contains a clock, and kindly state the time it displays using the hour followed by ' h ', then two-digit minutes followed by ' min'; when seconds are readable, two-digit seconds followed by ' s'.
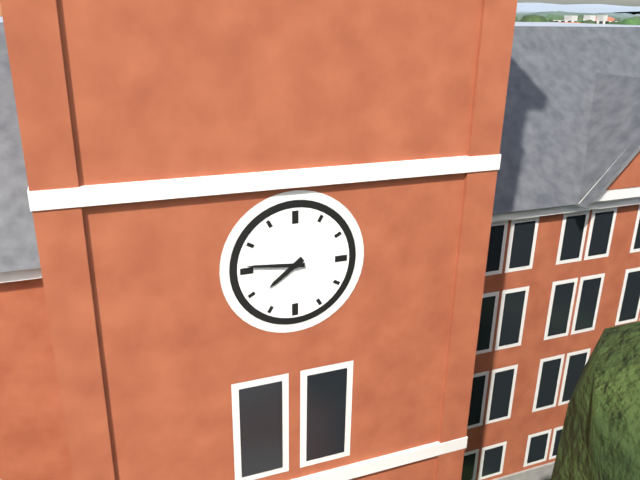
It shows 7 h 46 min
